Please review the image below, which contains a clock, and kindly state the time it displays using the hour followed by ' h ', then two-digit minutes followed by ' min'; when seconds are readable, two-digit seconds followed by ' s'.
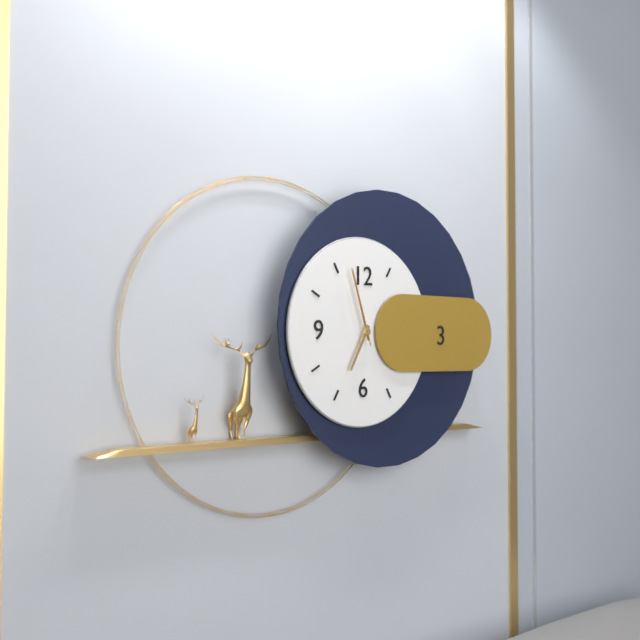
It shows 6 h 57 min 57 s
